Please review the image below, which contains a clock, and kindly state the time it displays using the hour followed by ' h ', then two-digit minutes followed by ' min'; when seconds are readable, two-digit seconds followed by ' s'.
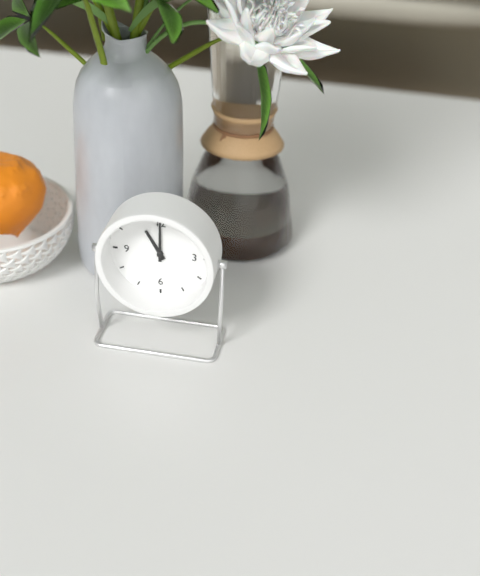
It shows 11 h 00 min
